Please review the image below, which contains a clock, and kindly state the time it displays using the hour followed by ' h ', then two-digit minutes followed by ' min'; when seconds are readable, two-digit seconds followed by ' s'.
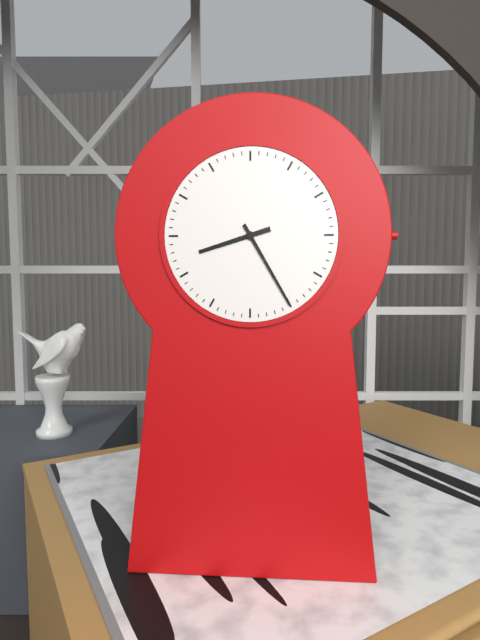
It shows 8 h 25 min
